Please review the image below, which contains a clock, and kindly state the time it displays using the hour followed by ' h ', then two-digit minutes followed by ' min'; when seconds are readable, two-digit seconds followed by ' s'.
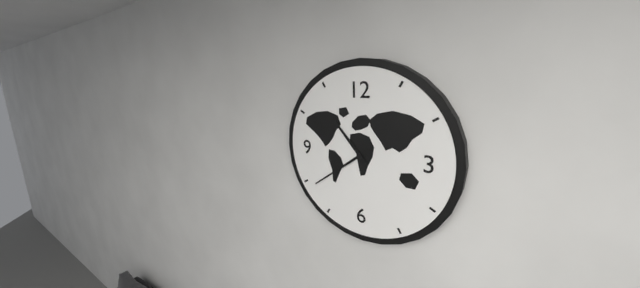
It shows 10 h 39 min
